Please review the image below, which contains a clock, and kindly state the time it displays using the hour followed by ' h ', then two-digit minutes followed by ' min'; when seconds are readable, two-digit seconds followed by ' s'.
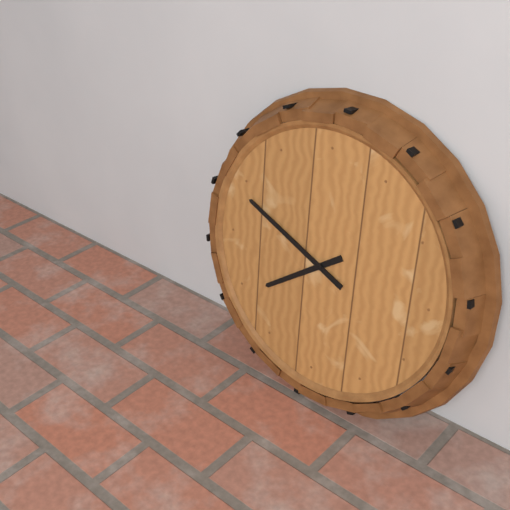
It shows 7 h 49 min
